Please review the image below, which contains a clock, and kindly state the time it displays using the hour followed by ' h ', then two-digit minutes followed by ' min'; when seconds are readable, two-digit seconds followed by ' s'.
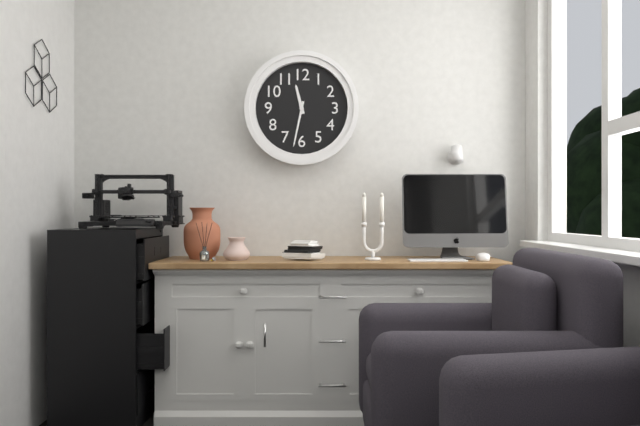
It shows 11 h 32 min
